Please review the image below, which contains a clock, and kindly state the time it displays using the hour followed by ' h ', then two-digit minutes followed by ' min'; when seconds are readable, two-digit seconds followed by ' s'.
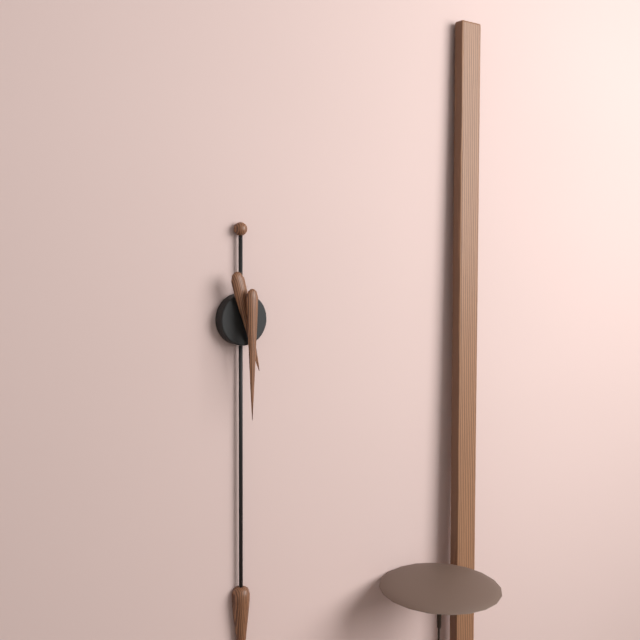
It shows 5 h 30 min
